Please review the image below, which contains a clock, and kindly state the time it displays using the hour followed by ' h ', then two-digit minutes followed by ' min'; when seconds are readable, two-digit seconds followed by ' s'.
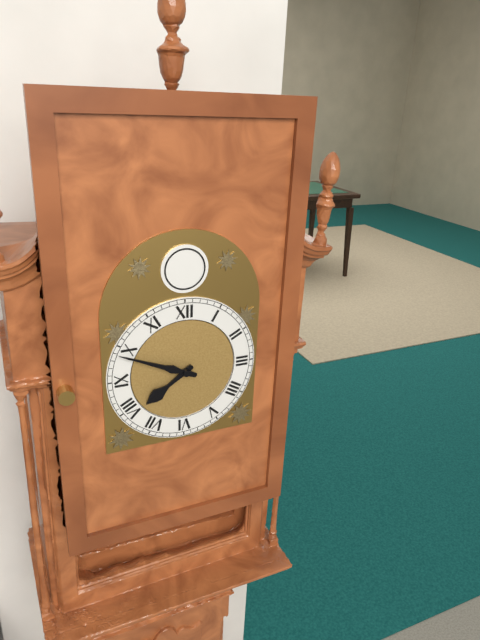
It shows 7 h 49 min
